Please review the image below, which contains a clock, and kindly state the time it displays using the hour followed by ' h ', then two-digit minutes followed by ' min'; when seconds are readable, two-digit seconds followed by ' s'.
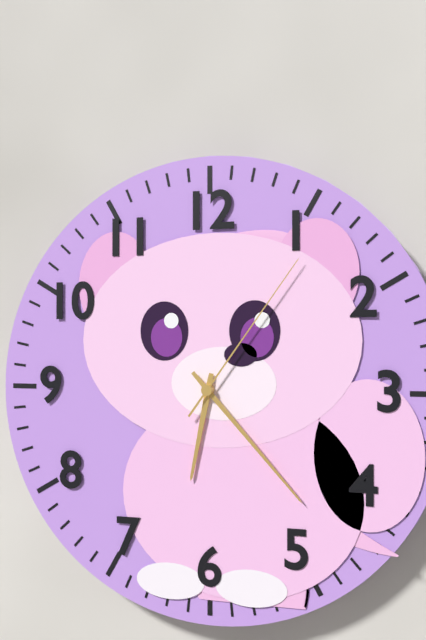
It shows 6 h 23 min 06 s
